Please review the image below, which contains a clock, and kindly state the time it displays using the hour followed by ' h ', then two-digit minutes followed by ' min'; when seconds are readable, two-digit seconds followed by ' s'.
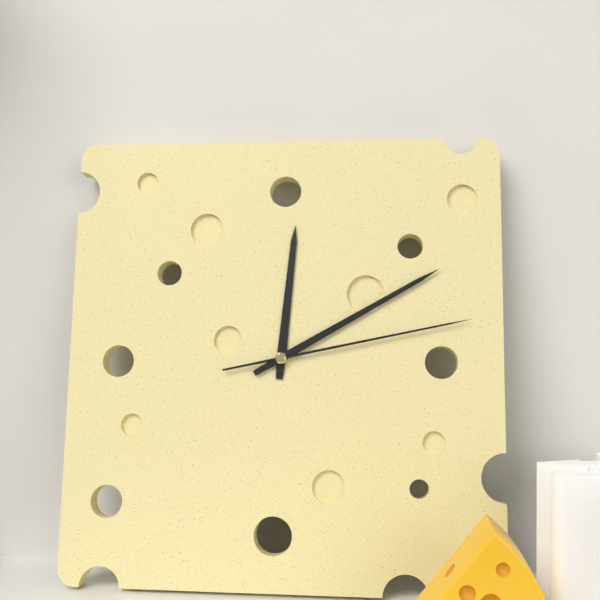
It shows 12 h 10 min 13 s
